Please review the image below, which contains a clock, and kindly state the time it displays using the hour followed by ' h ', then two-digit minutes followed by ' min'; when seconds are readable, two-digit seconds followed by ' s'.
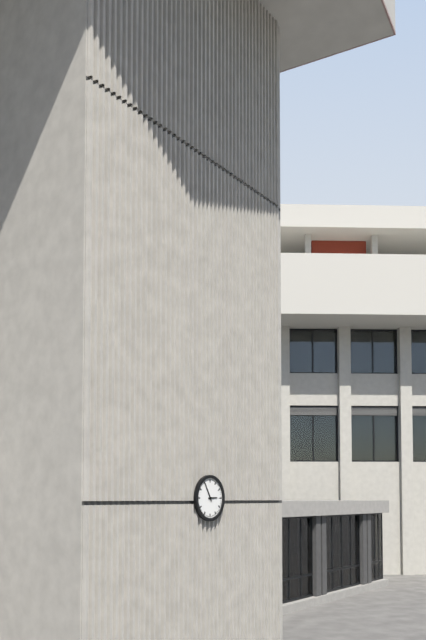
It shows 2 h 55 min
